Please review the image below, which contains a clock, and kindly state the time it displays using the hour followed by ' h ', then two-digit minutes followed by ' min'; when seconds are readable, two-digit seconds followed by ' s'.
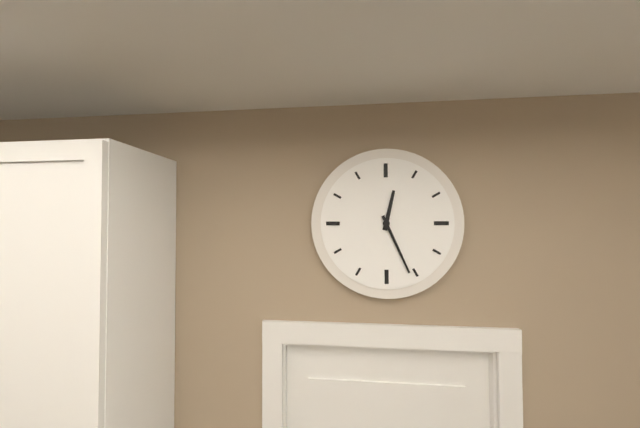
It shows 12 h 26 min
